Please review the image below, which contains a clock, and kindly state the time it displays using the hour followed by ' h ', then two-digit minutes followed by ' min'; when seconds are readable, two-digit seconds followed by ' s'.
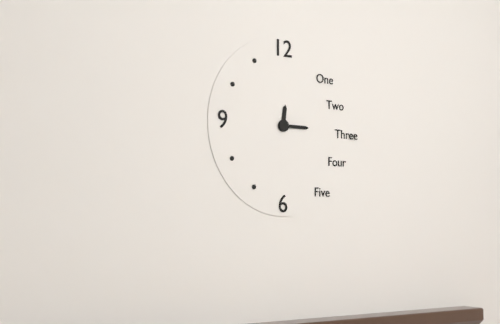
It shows 12 h 15 min
